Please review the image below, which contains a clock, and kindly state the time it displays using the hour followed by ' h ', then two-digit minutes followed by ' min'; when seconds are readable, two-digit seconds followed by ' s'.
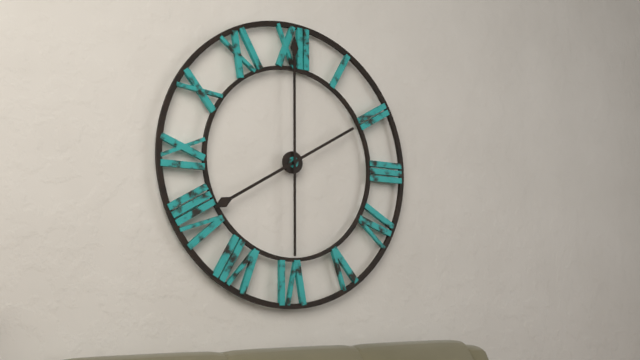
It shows 8 h 00 min
